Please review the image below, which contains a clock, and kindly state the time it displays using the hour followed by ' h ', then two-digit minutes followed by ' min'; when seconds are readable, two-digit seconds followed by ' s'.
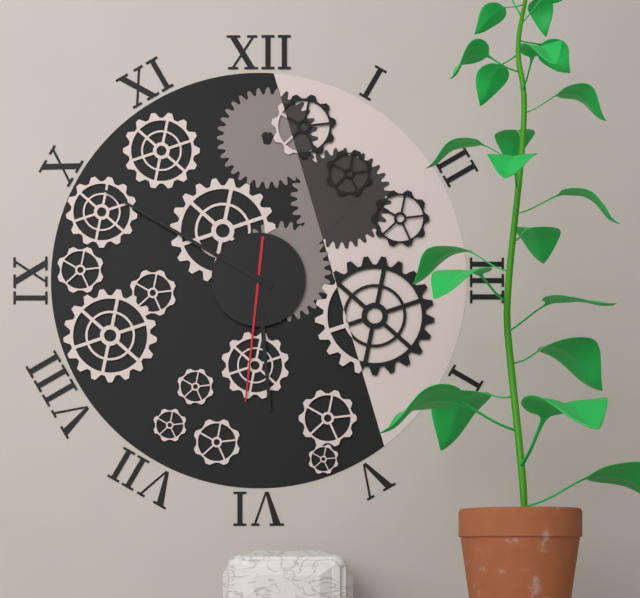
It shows 5 h 50 min 31 s
